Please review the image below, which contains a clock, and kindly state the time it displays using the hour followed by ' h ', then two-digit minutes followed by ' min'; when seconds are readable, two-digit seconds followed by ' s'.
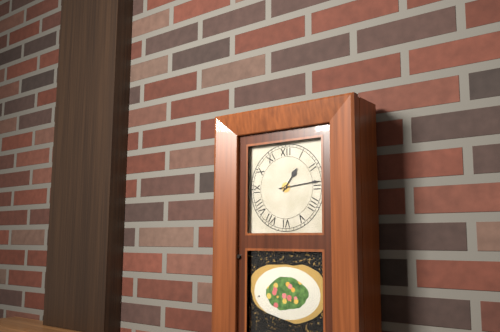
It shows 1 h 14 min
